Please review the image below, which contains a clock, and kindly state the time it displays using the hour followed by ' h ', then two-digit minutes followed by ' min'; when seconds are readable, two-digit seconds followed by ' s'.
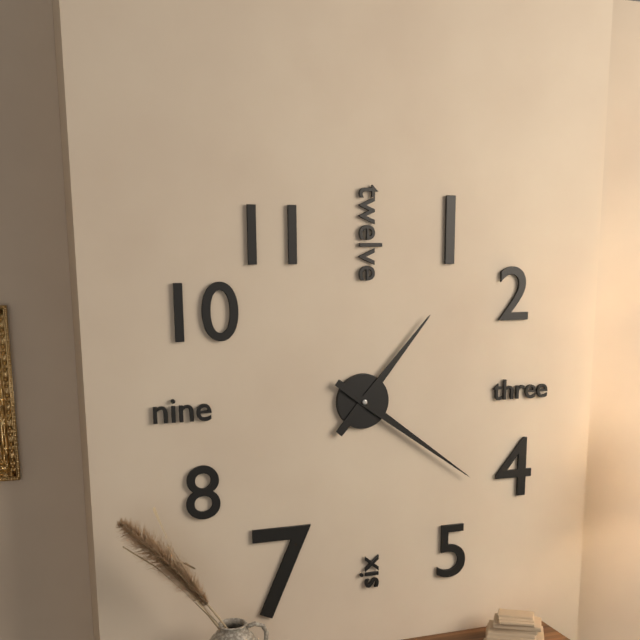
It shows 1 h 21 min
